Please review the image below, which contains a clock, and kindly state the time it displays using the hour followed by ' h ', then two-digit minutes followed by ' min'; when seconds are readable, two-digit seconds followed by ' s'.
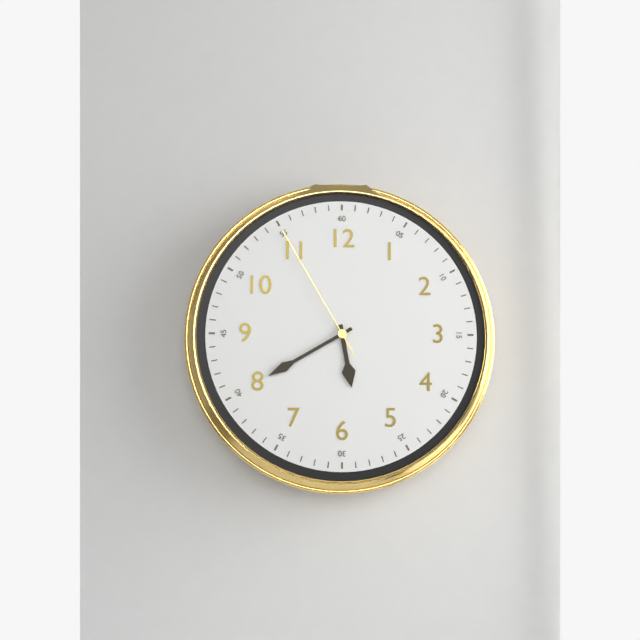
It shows 5 h 40 min 55 s
